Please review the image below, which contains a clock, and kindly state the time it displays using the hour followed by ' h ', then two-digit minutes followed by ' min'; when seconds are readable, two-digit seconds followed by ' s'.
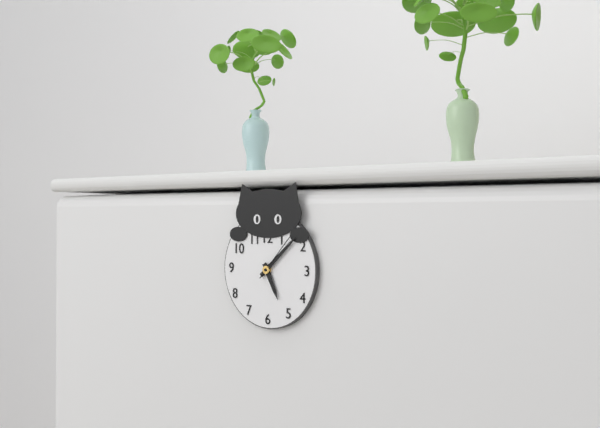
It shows 5 h 08 min 07 s
